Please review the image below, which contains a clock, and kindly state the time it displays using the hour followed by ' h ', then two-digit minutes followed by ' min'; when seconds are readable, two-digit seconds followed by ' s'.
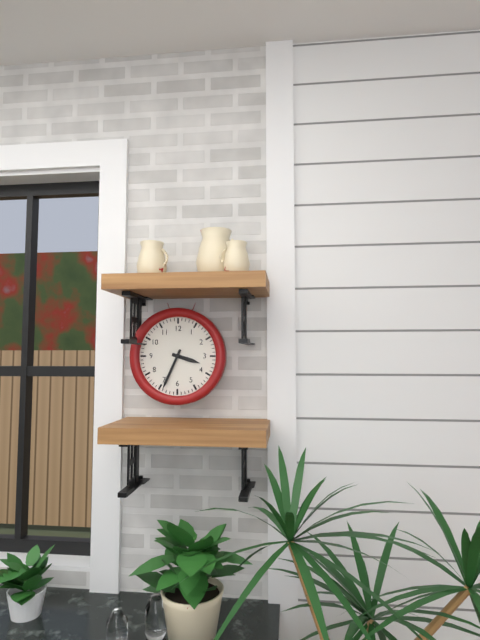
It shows 3 h 34 min
